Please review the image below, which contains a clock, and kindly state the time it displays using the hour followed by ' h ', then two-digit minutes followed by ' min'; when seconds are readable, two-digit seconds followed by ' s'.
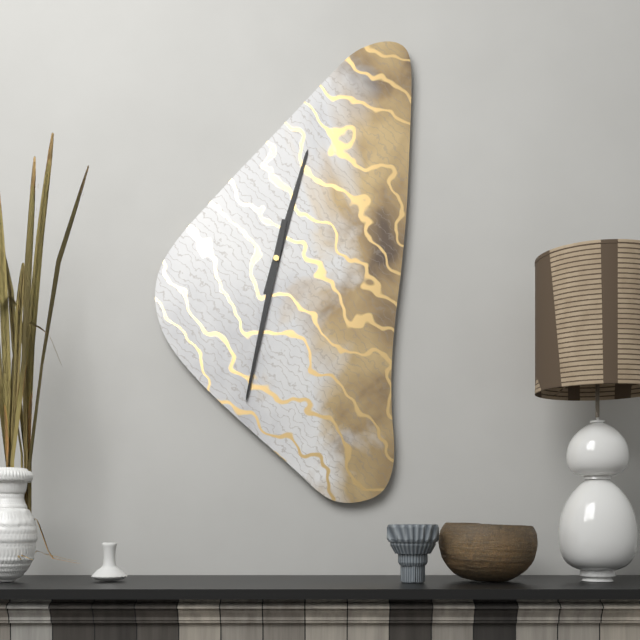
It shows 12 h 32 min
